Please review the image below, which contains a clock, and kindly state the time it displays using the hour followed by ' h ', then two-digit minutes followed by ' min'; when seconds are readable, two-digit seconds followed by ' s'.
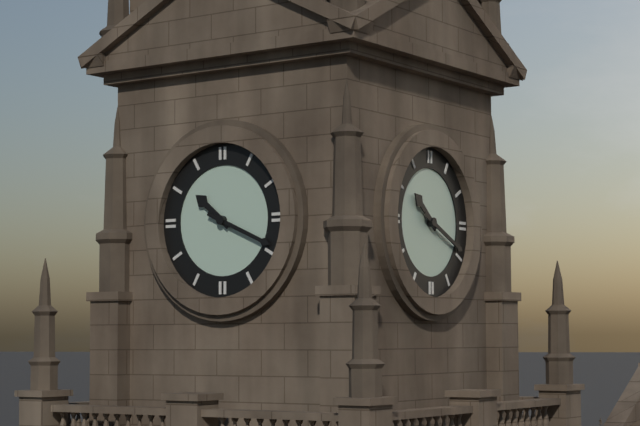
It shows 10 h 19 min
